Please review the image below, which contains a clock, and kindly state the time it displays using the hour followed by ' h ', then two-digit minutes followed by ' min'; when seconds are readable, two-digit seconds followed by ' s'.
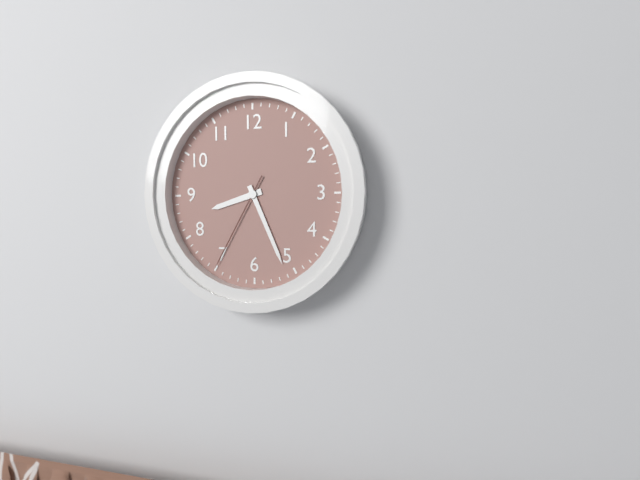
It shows 8 h 26 min 35 s
